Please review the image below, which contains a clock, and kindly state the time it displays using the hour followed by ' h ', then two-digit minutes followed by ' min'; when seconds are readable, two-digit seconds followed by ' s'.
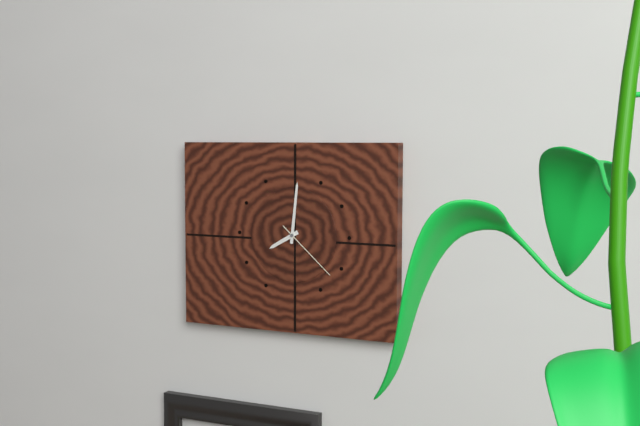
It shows 8 h 01 min 22 s
